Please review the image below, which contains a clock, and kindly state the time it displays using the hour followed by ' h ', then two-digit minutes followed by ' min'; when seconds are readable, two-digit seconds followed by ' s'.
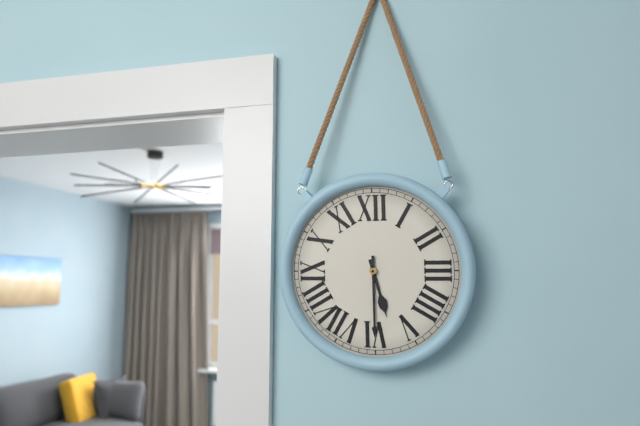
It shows 5 h 30 min
